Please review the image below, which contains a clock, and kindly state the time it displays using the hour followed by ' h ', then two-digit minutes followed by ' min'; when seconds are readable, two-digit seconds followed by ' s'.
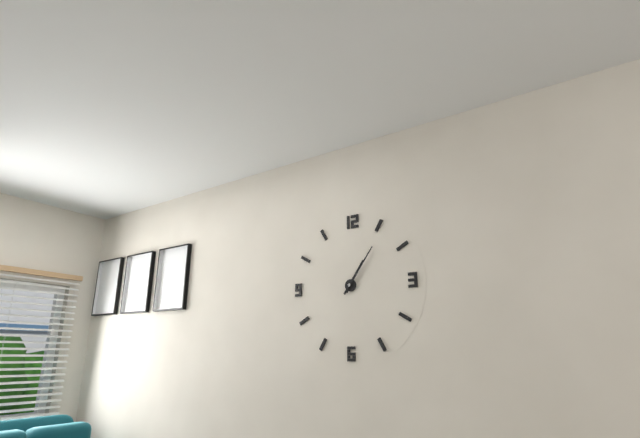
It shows 1 h 06 min
